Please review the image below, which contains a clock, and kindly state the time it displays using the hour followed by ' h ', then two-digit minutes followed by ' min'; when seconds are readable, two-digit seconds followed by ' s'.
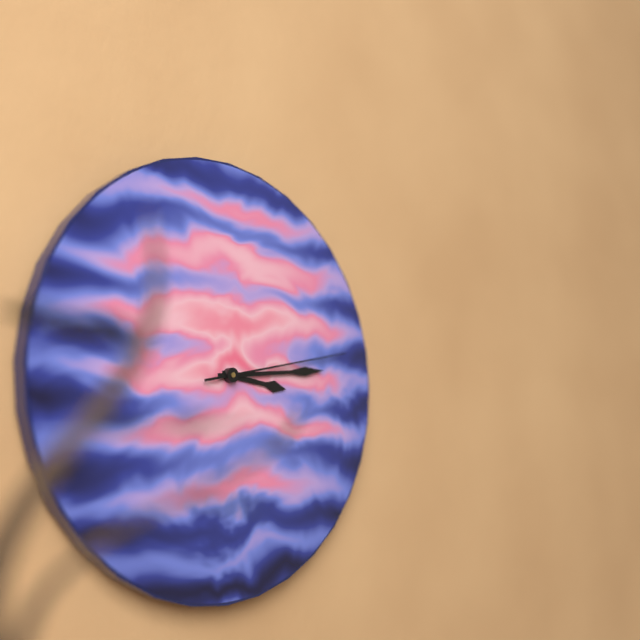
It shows 3 h 14 min 13 s
